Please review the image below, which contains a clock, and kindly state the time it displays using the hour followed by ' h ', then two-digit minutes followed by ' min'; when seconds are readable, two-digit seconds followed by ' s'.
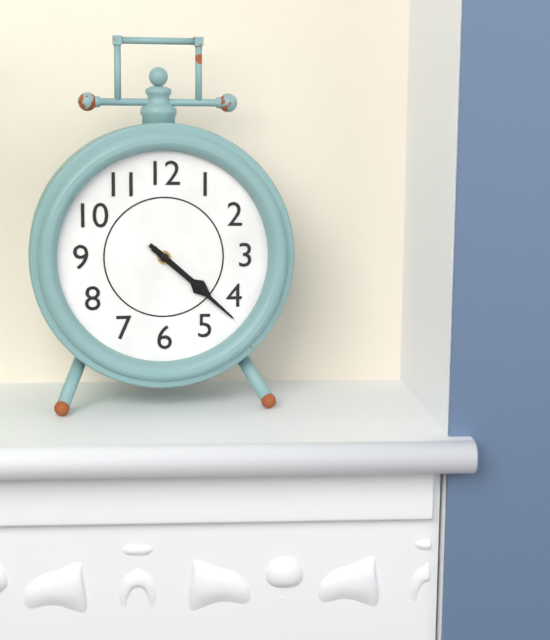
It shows 4 h 22 min
